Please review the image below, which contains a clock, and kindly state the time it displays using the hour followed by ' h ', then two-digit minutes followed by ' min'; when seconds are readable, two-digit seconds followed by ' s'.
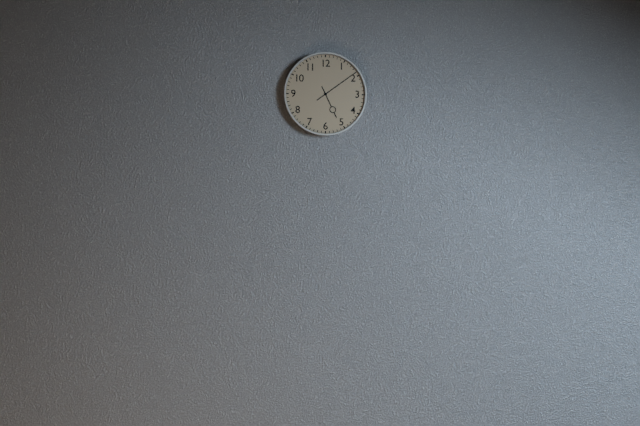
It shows 5 h 09 min
